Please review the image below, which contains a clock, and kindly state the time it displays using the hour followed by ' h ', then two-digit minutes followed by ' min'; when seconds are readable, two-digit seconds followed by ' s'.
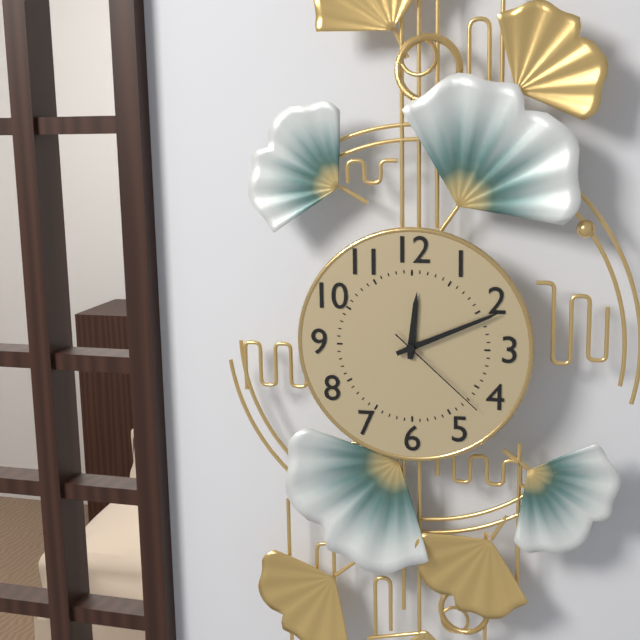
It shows 12 h 11 min 22 s
